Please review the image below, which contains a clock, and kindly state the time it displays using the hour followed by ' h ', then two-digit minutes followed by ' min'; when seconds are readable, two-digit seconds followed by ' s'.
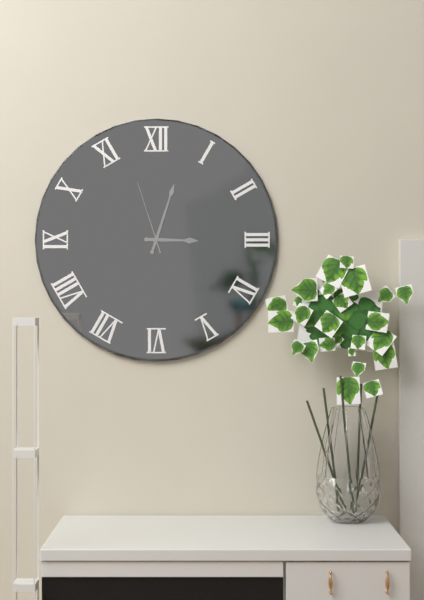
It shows 3 h 03 min 57 s
